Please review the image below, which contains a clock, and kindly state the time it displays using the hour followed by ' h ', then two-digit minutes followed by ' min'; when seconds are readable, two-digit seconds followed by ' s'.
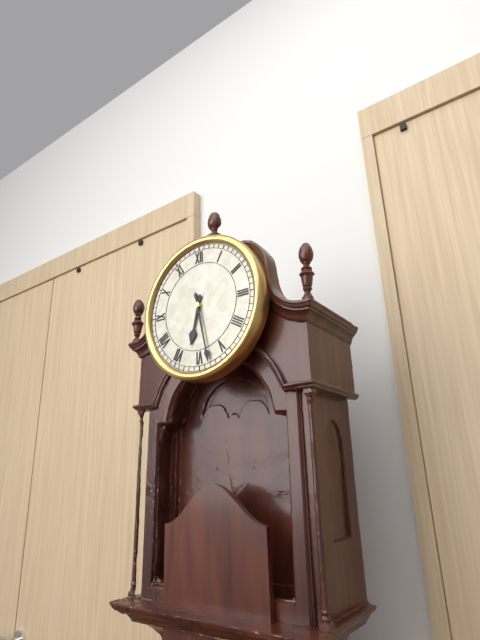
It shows 6 h 28 min
